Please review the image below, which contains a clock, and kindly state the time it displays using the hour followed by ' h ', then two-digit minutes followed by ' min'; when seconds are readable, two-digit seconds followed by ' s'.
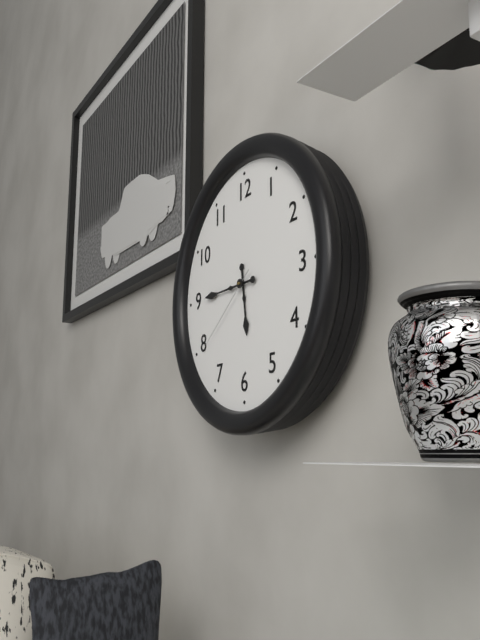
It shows 5 h 45 min 39 s
